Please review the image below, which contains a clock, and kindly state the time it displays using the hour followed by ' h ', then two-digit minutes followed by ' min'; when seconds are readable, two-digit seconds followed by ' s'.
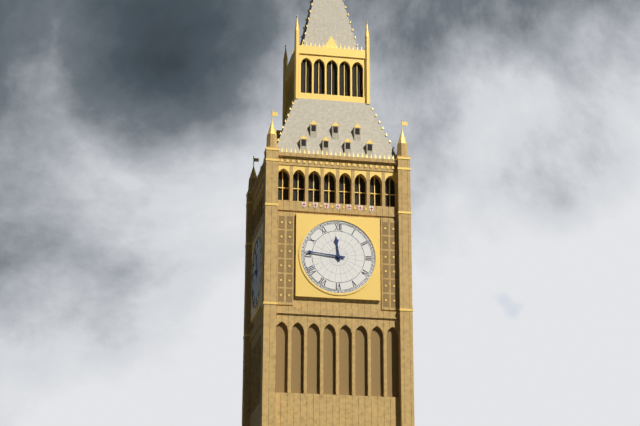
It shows 11 h 46 min
